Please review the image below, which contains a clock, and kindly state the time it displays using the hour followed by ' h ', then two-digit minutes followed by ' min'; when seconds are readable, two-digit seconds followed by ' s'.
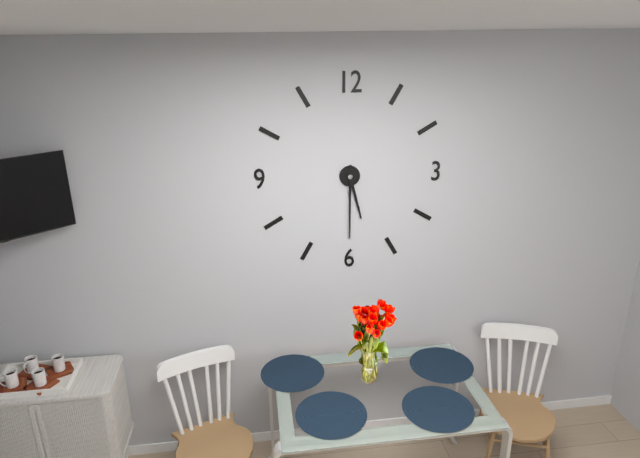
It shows 5 h 30 min
